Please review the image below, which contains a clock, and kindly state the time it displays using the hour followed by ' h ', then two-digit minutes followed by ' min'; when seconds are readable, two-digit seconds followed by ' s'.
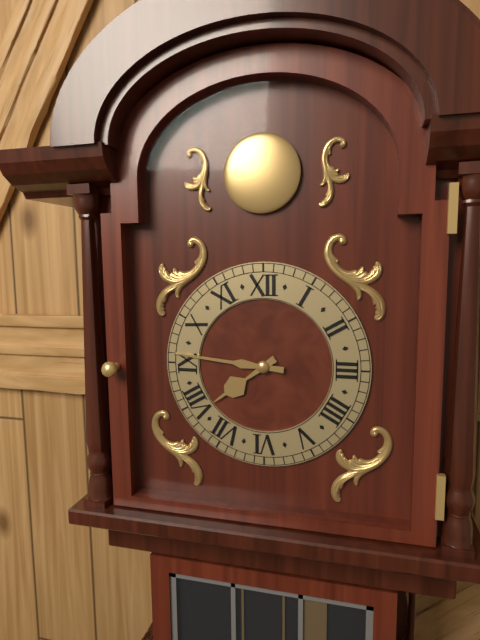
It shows 7 h 46 min
